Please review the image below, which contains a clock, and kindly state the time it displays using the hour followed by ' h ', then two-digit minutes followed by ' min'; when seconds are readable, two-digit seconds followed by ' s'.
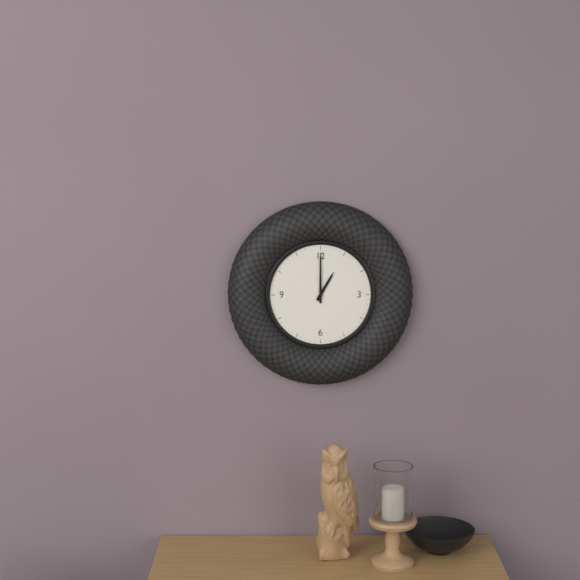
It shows 1 h 00 min
